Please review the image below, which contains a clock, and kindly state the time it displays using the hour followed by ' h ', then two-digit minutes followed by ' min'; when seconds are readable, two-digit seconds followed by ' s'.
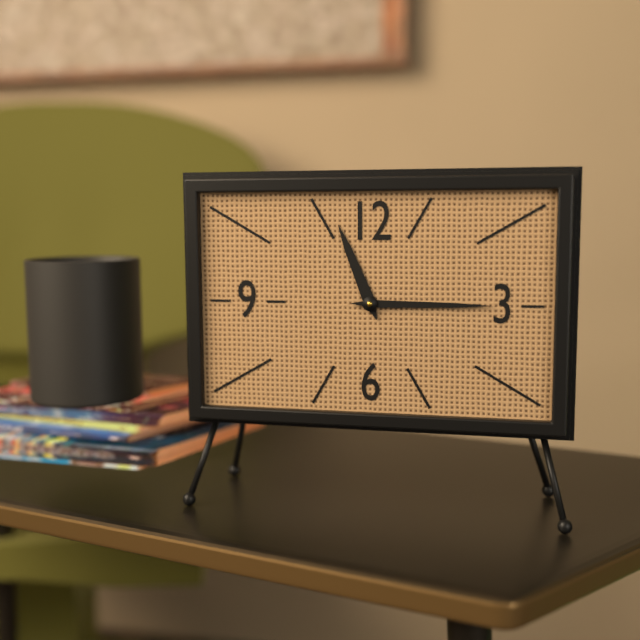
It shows 11 h 15 min
